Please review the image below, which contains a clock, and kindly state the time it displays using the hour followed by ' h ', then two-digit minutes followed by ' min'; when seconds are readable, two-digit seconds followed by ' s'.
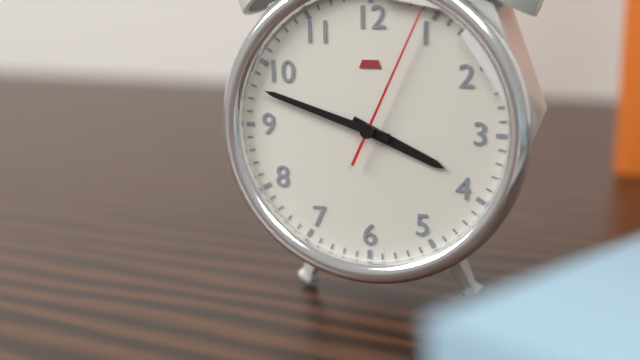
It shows 3 h 48 min 04 s
